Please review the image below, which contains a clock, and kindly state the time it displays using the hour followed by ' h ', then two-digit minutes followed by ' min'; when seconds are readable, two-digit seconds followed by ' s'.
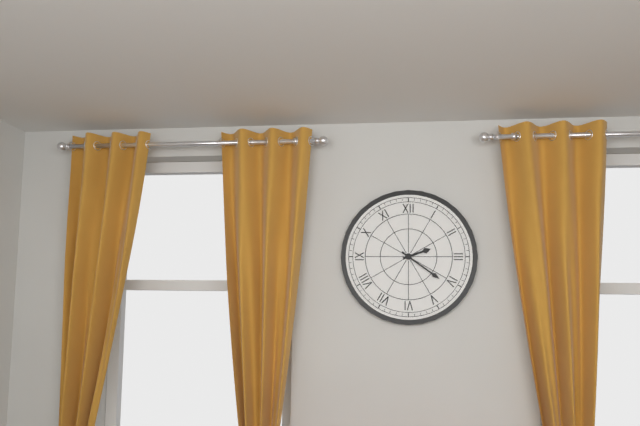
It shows 2 h 21 min
